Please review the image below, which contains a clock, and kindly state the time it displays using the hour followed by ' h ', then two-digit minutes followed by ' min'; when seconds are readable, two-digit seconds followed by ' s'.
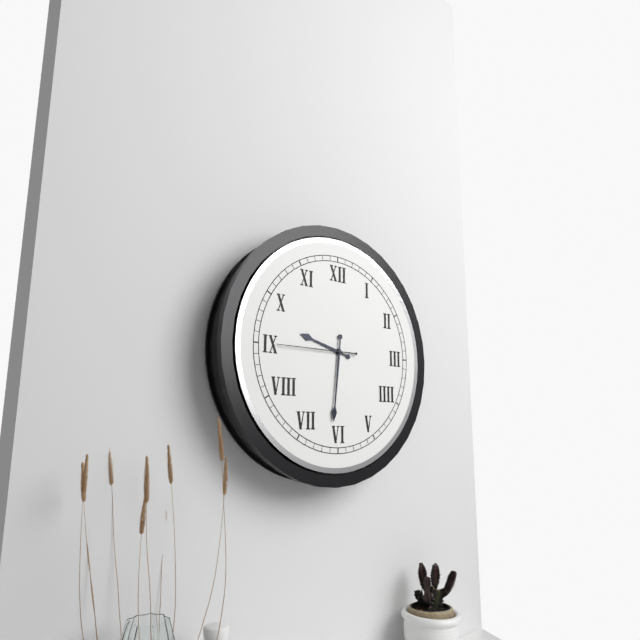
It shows 9 h 31 min 45 s
